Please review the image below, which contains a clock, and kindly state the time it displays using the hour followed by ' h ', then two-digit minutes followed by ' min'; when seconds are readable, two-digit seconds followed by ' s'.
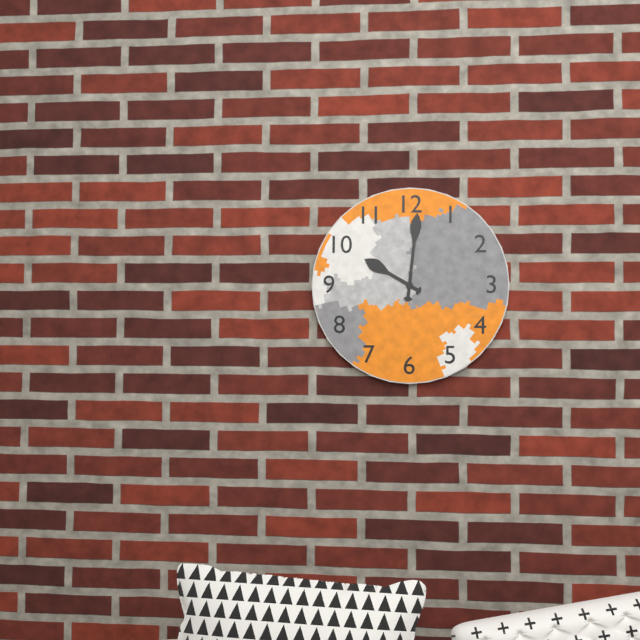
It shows 10 h 01 min
